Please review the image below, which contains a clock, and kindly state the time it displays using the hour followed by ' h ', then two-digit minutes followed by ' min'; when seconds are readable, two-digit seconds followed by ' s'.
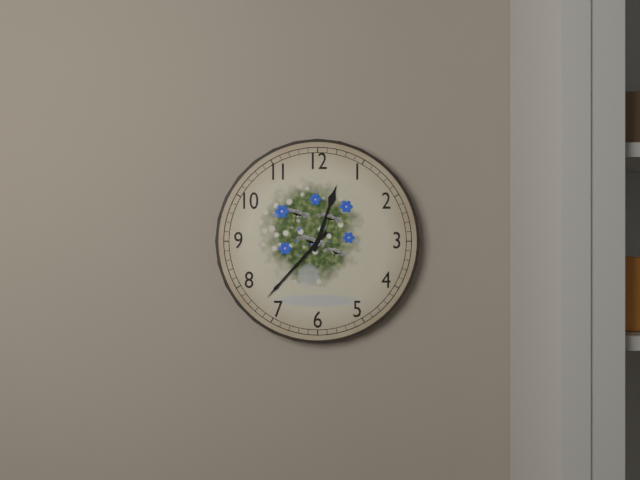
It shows 12 h 37 min
